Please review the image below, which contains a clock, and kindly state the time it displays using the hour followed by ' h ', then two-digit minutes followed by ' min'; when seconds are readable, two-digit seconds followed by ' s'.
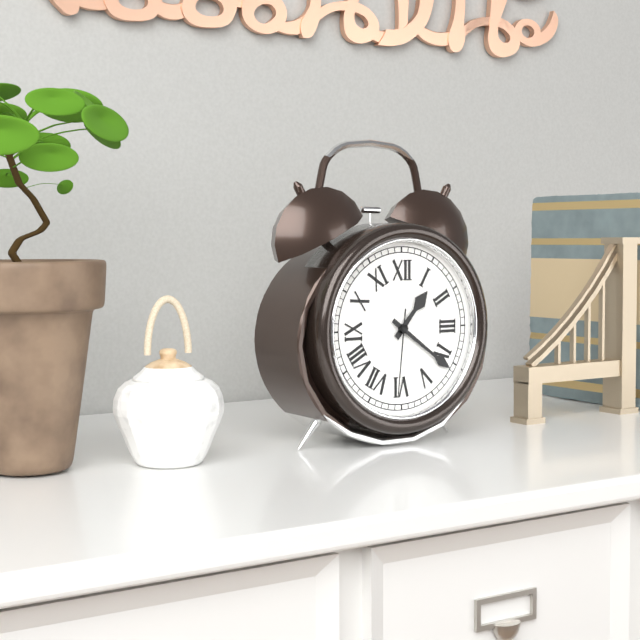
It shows 1 h 21 min 31 s
